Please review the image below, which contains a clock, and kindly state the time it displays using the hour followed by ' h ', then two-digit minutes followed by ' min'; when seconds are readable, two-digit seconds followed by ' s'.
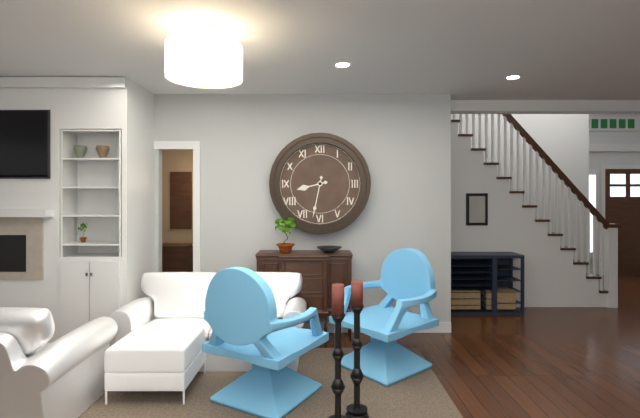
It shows 8 h 32 min
